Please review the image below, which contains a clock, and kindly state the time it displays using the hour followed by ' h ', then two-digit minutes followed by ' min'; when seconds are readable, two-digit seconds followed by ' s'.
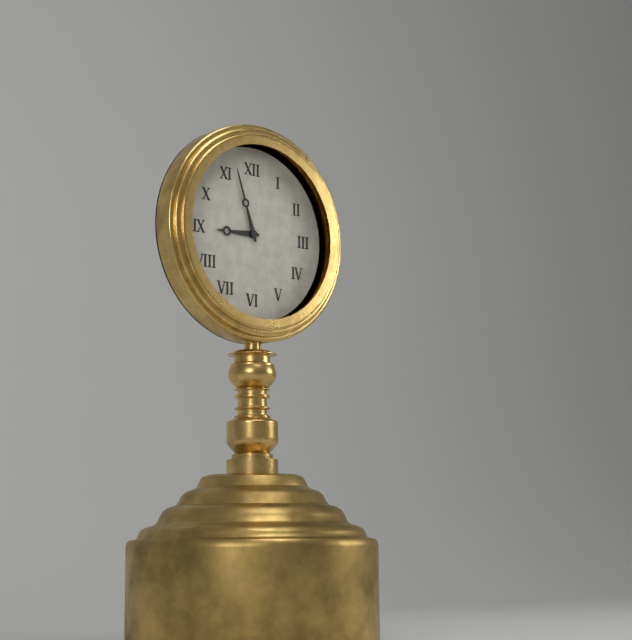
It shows 8 h 57 min
